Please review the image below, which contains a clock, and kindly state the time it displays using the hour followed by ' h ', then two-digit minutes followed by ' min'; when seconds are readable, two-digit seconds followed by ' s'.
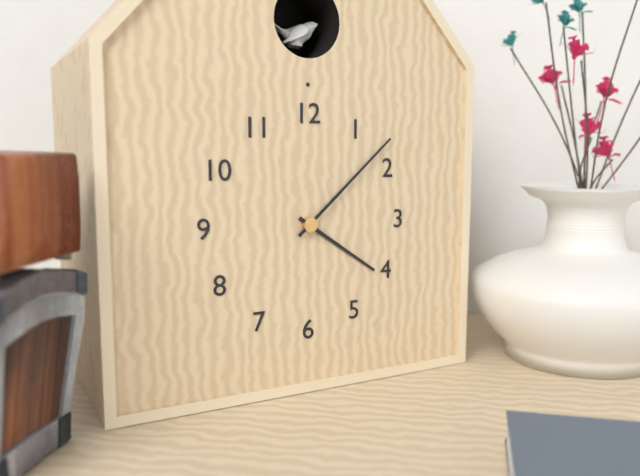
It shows 4 h 08 min
